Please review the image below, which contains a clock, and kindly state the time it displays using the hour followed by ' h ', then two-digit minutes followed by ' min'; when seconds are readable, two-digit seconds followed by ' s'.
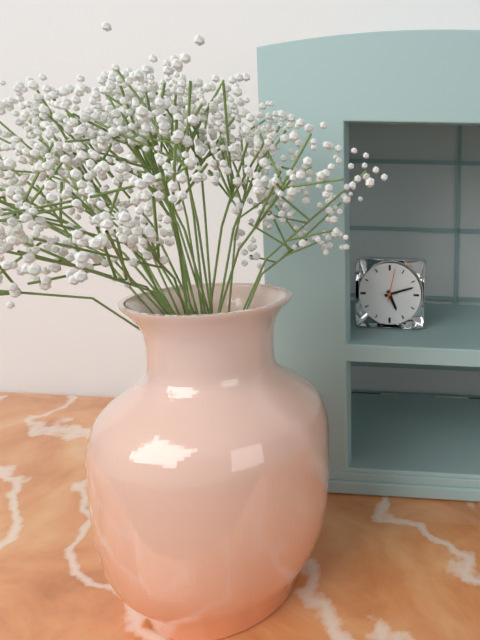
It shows 5 h 12 min
